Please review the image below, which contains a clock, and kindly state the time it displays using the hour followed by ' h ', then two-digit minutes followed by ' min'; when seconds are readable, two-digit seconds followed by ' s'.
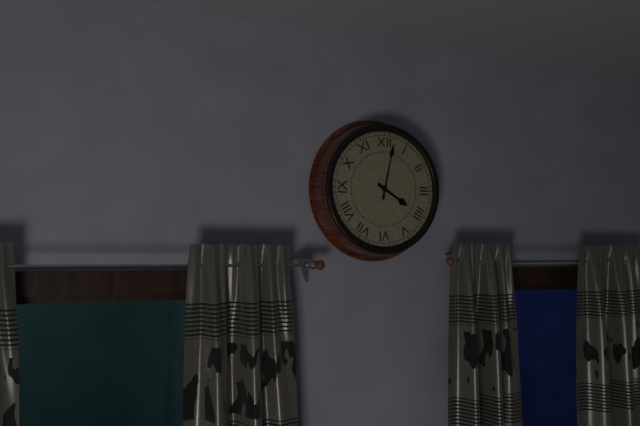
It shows 4 h 02 min
